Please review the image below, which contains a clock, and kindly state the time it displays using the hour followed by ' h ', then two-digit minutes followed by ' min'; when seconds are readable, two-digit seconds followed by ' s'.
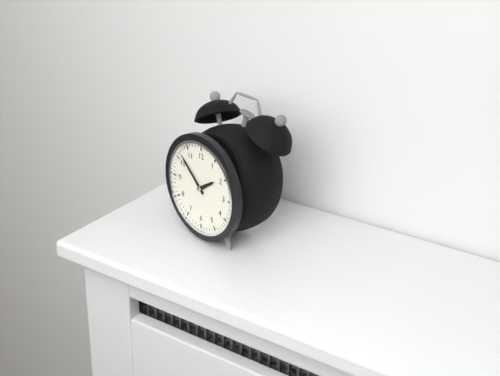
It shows 1 h 52 min
